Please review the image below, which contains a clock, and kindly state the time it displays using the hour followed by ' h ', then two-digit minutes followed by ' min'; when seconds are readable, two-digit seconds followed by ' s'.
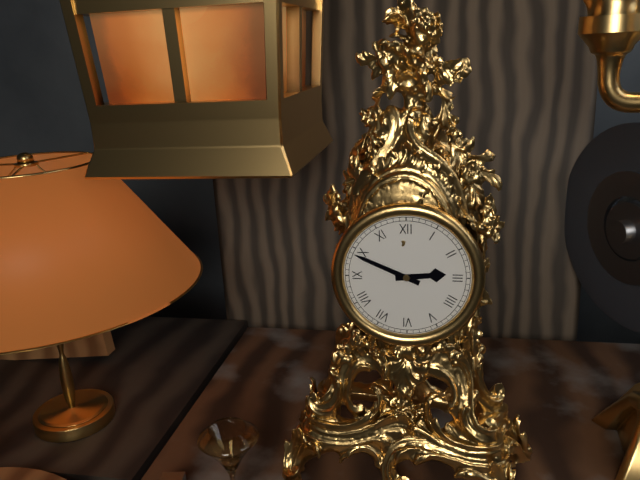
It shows 2 h 49 min
